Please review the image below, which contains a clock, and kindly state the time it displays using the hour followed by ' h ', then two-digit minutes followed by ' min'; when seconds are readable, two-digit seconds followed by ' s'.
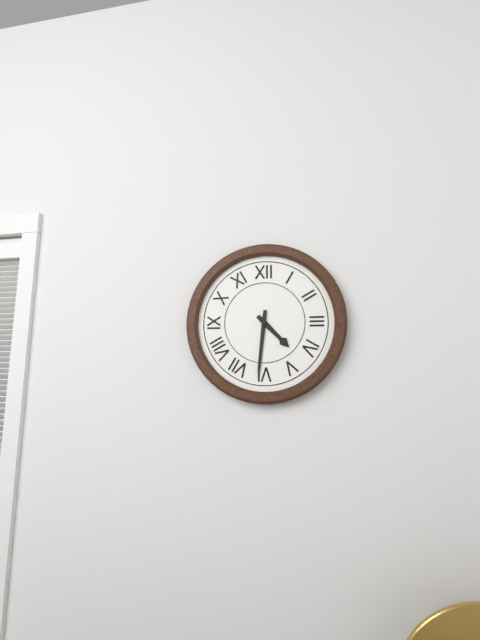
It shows 4 h 31 min
